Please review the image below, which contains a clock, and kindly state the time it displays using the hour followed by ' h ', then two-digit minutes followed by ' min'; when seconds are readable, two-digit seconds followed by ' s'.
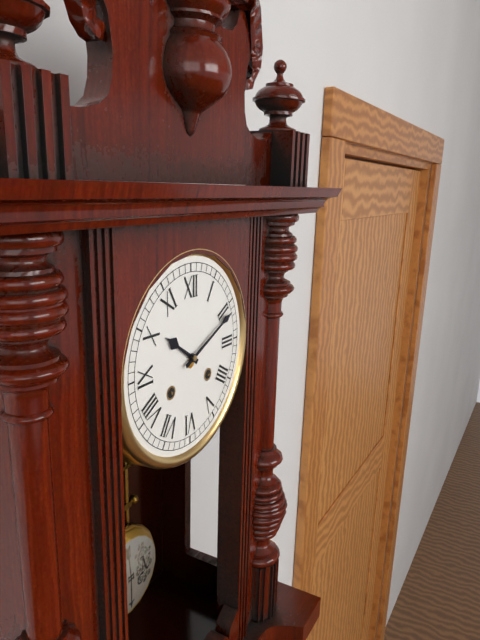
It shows 10 h 11 min
